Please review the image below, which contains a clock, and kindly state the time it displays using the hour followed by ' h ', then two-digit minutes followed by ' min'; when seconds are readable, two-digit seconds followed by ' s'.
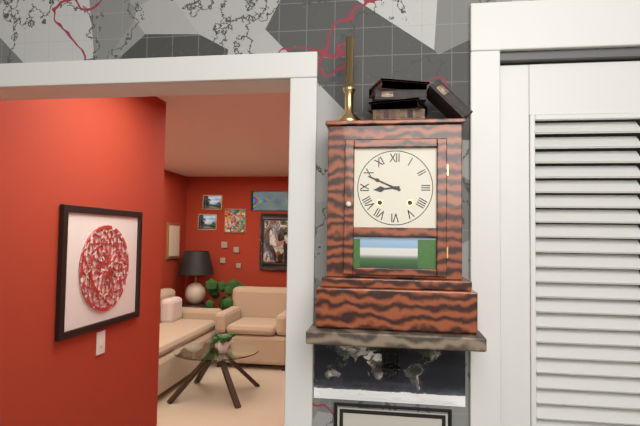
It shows 8 h 49 min
